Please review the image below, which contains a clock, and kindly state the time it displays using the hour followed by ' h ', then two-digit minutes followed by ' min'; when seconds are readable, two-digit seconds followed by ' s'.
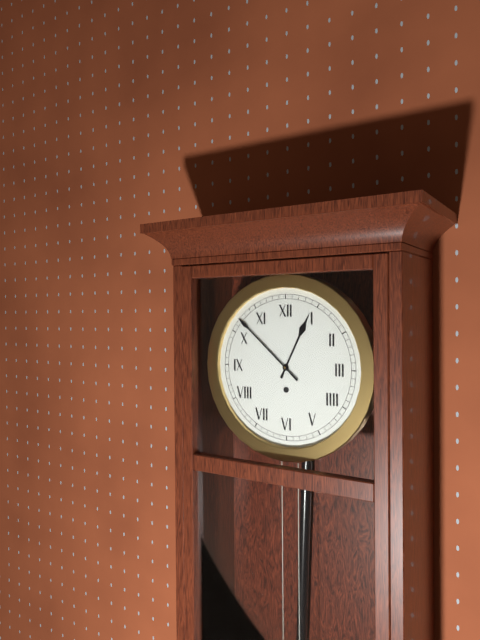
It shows 12 h 52 min
